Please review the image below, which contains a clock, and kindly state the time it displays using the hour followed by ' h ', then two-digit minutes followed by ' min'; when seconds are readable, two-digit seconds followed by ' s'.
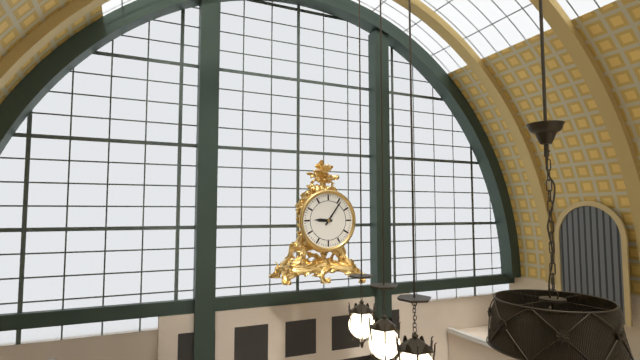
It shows 9 h 06 min
